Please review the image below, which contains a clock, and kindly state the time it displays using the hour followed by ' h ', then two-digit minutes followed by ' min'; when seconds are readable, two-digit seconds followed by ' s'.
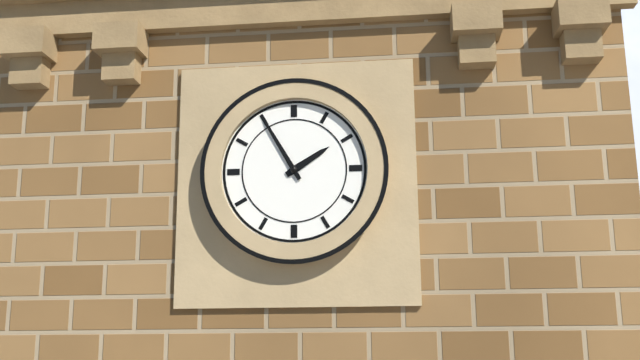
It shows 1 h 55 min
